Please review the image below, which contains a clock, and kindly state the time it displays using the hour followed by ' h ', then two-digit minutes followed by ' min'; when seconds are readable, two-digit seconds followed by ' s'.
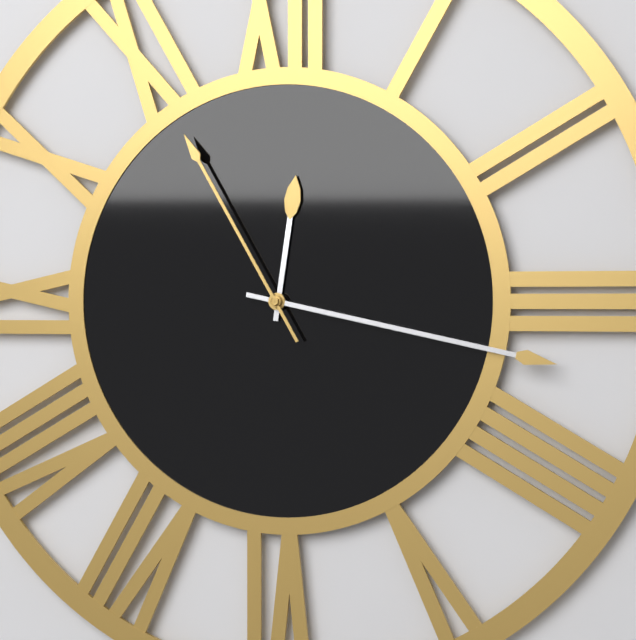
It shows 12 h 17 min 55 s
